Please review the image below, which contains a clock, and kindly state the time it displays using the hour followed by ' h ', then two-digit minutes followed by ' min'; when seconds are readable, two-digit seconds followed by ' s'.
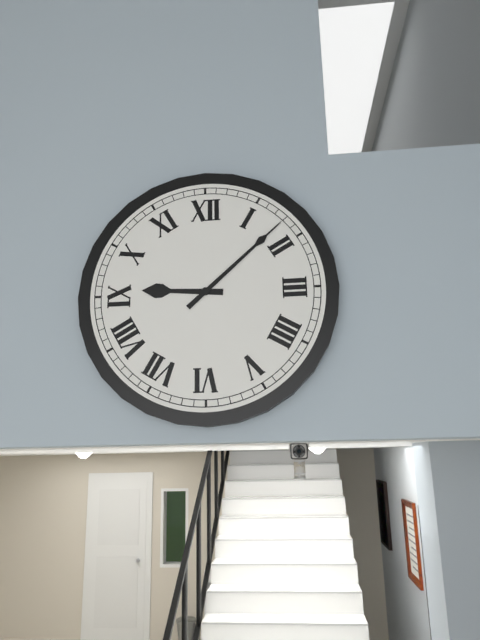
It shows 9 h 08 min
